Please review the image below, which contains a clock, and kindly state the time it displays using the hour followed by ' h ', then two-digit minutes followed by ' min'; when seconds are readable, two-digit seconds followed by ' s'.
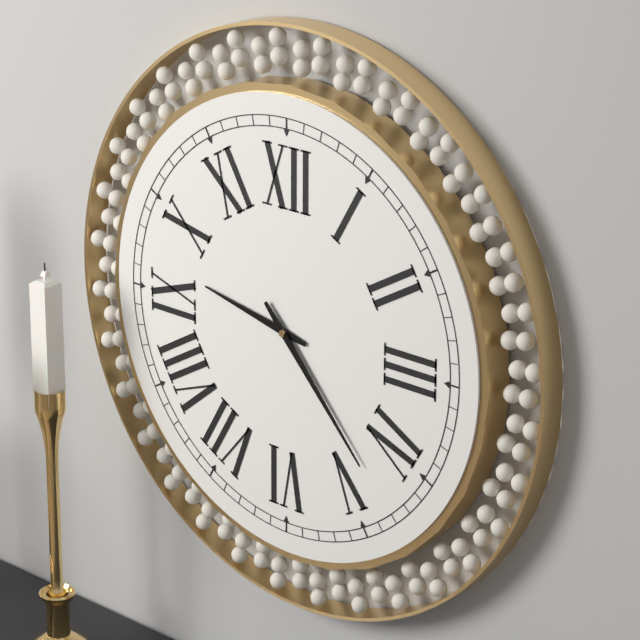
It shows 9 h 23 min
